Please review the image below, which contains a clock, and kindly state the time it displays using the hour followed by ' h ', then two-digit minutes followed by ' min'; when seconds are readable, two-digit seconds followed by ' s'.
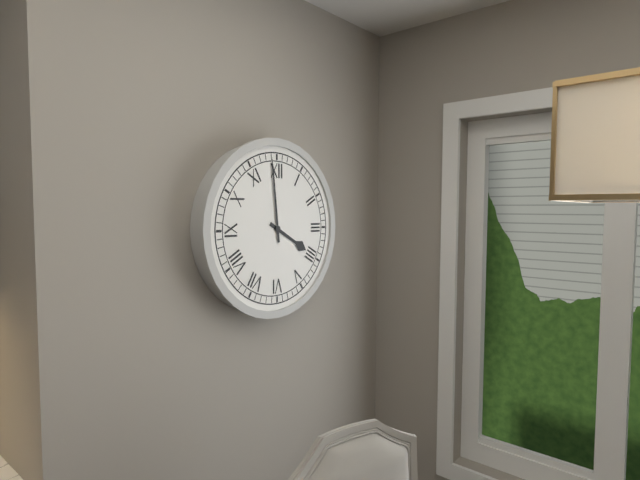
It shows 3 h 59 min
